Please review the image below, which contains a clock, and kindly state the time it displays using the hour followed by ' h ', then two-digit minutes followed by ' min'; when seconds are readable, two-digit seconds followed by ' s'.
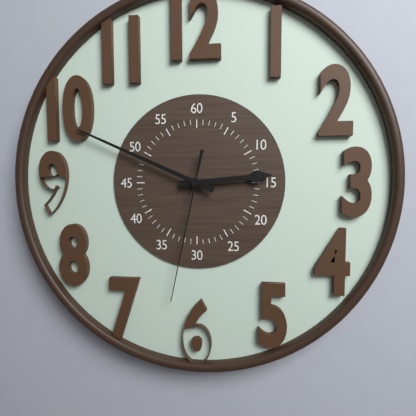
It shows 2 h 49 min 32 s
